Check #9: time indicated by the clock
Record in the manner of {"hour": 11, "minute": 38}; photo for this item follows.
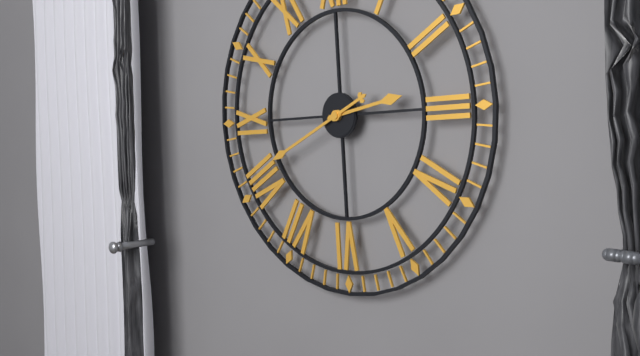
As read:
{"hour": 2, "minute": 41}
